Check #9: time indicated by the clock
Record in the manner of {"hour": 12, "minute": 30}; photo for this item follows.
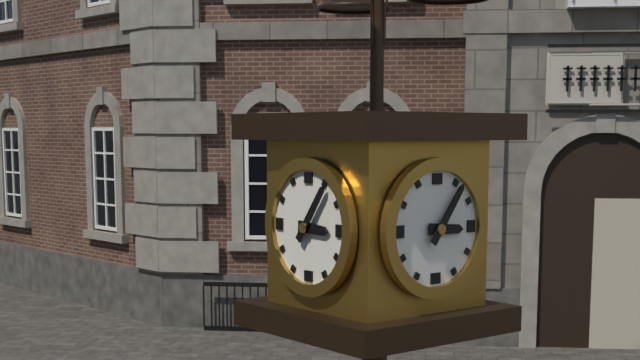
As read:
{"hour": 3, "minute": 6}
